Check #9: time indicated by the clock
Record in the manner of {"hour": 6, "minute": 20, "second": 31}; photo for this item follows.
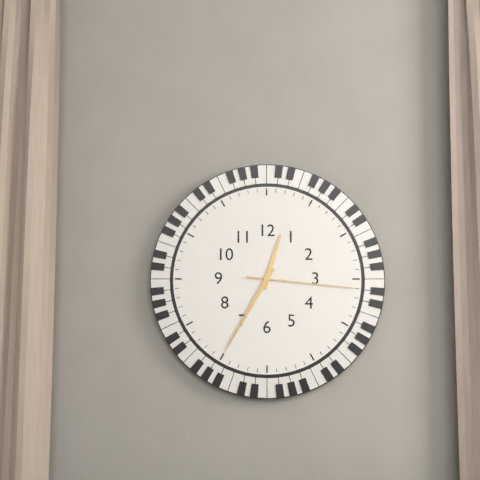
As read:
{"hour": 12, "minute": 35, "second": 16}
